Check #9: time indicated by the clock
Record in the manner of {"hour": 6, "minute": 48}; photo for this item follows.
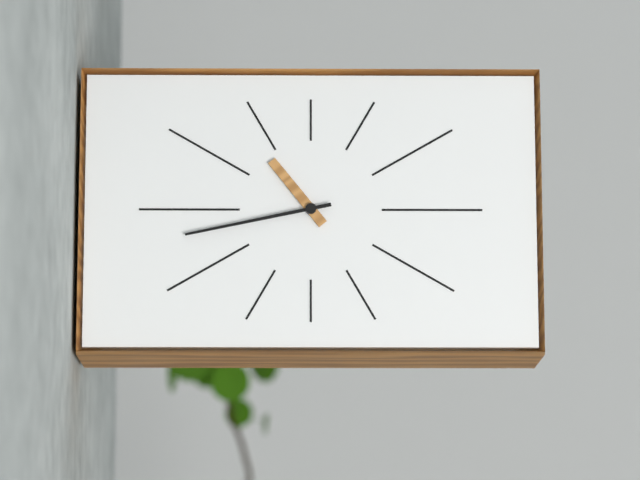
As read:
{"hour": 10, "minute": 43}
